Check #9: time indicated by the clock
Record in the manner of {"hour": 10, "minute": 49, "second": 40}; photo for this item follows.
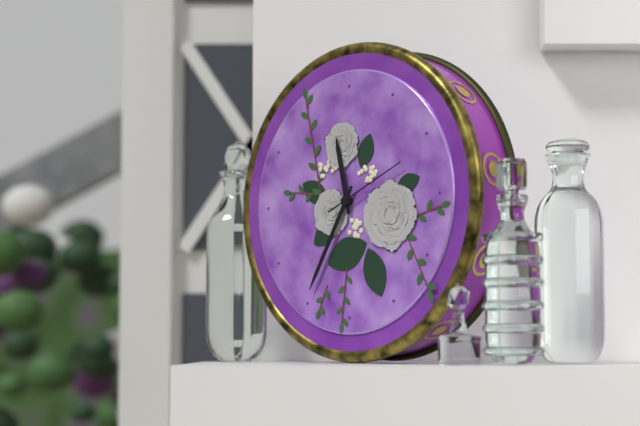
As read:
{"hour": 11, "minute": 35, "second": 11}
